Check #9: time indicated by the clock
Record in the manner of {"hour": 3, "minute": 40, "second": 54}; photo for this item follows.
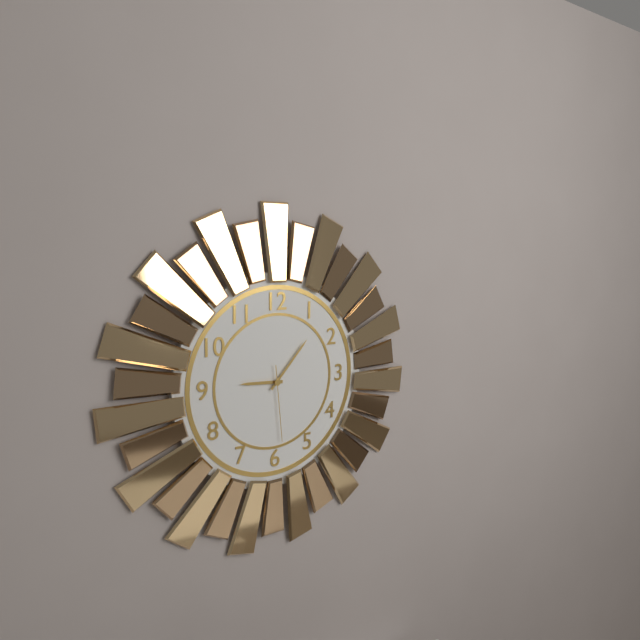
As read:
{"hour": 9, "minute": 7, "second": 29}
